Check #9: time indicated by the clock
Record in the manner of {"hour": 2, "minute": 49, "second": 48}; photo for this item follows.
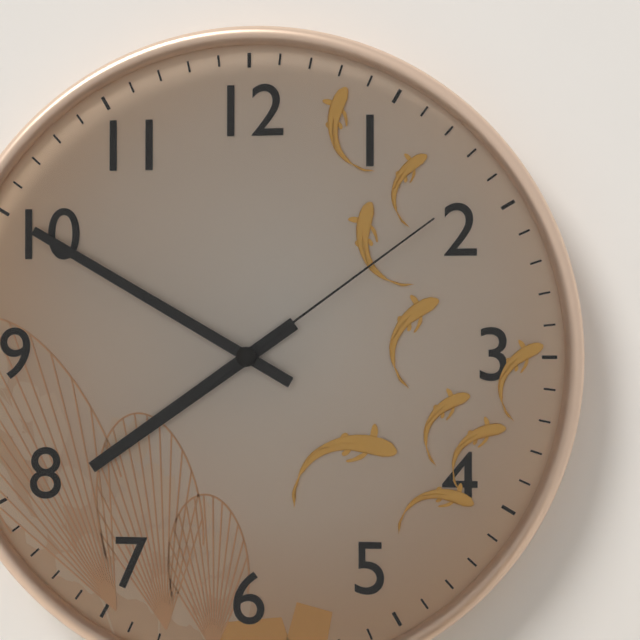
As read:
{"hour": 7, "minute": 50, "second": 9}
